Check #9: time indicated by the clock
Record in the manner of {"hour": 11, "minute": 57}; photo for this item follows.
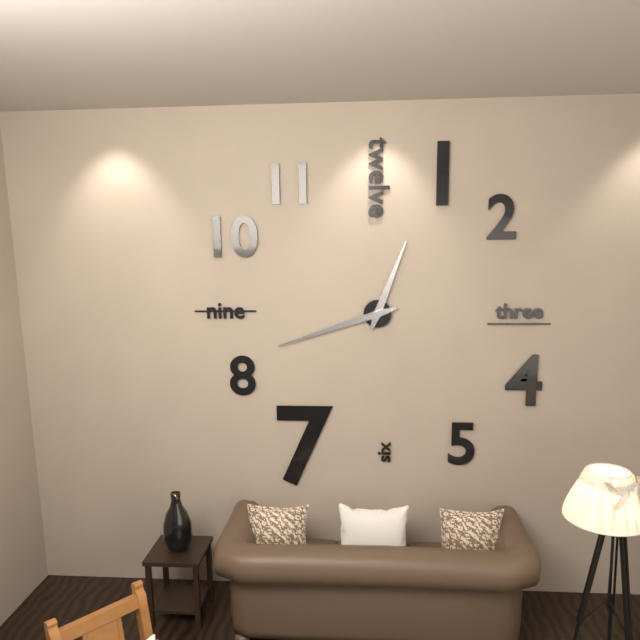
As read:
{"hour": 12, "minute": 42}
